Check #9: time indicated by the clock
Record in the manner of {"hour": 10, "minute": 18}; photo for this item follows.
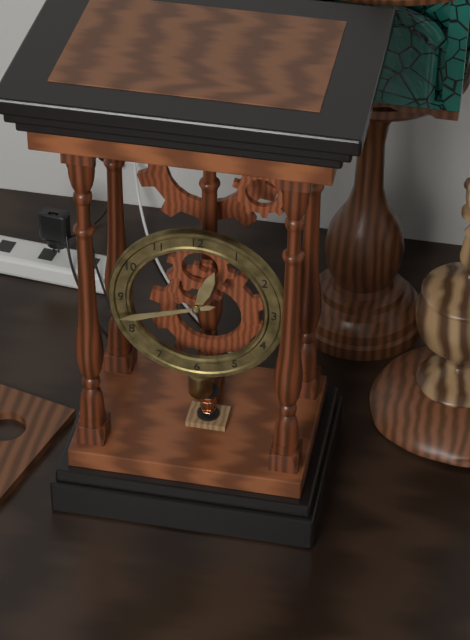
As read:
{"hour": 12, "minute": 42}
